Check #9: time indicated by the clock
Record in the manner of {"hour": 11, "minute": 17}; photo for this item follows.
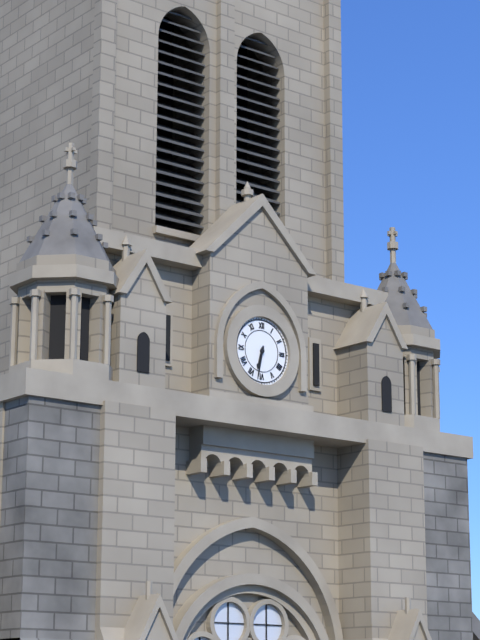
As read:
{"hour": 6, "minute": 32}
